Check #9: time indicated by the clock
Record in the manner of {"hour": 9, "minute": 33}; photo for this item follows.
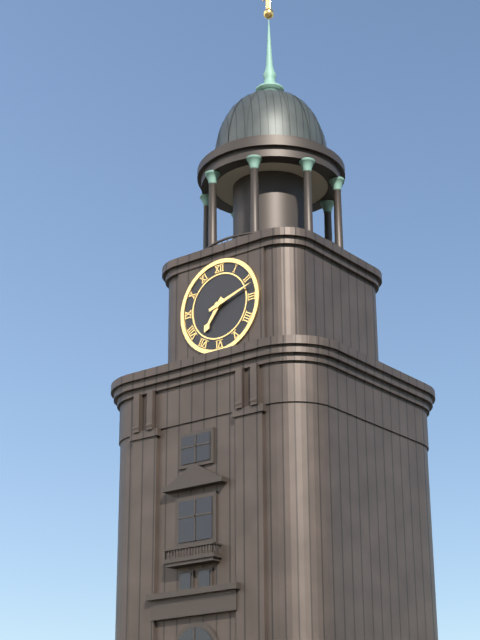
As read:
{"hour": 7, "minute": 12}
